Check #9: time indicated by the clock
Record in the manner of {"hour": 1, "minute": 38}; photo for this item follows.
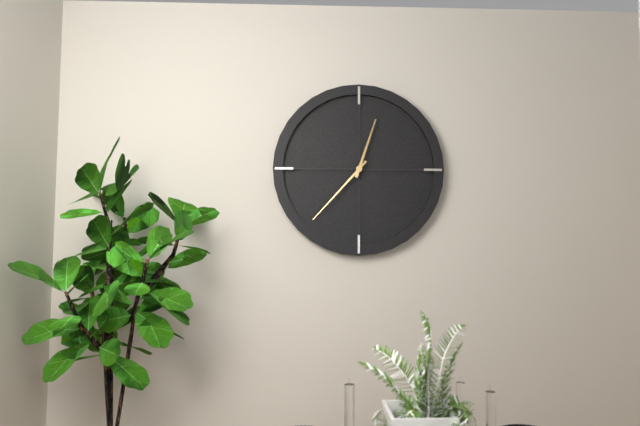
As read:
{"hour": 12, "minute": 37}
